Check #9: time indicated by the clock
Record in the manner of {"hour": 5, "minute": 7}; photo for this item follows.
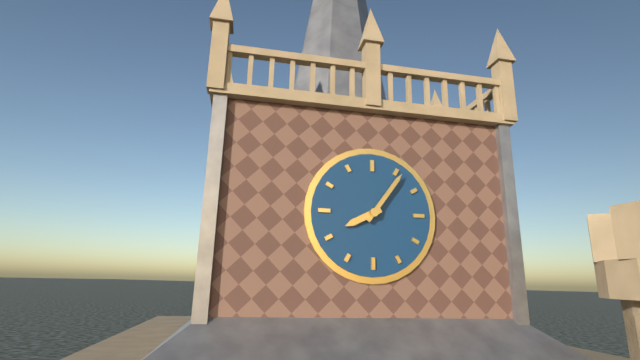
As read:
{"hour": 8, "minute": 6}
